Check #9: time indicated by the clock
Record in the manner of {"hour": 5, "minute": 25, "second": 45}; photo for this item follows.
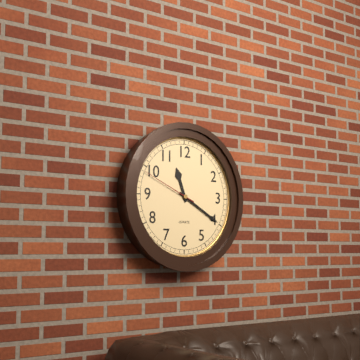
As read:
{"hour": 11, "minute": 20, "second": 49}
